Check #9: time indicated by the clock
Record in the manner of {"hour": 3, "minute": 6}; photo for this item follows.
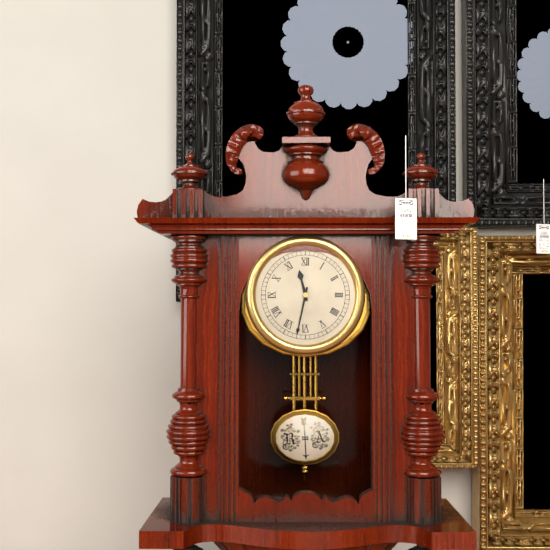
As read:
{"hour": 11, "minute": 32}
